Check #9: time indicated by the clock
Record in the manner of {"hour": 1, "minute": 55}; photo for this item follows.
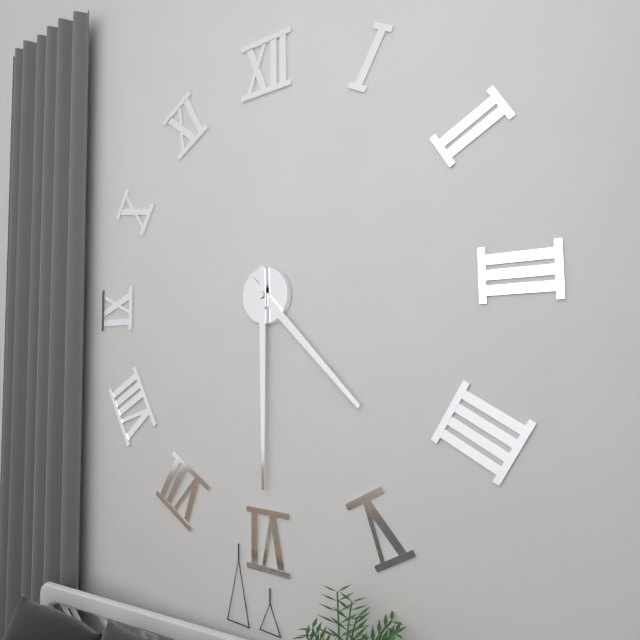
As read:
{"hour": 4, "minute": 30}
